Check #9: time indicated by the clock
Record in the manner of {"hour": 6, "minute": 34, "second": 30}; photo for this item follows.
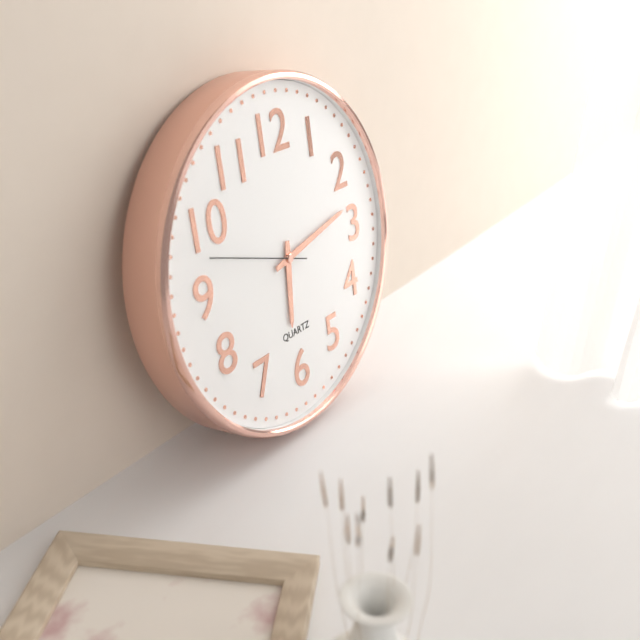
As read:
{"hour": 6, "minute": 13, "second": 48}
